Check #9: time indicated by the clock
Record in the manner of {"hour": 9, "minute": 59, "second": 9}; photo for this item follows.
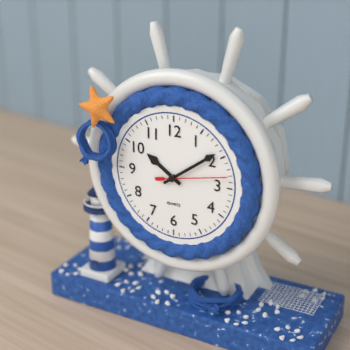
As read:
{"hour": 10, "minute": 9, "second": 13}
